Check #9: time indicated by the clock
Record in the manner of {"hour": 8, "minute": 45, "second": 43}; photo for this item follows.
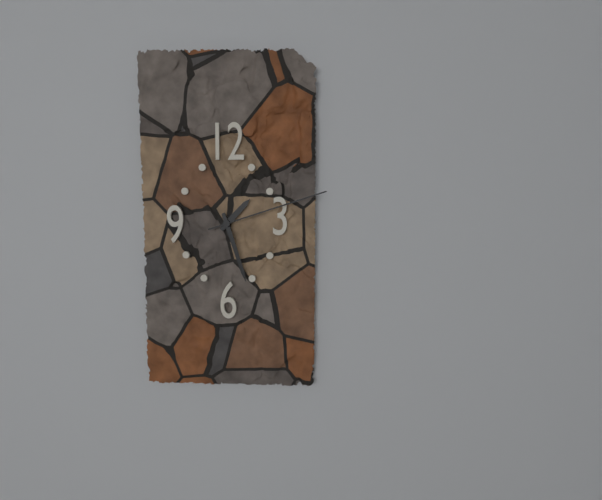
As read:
{"hour": 1, "minute": 27, "second": 12}
